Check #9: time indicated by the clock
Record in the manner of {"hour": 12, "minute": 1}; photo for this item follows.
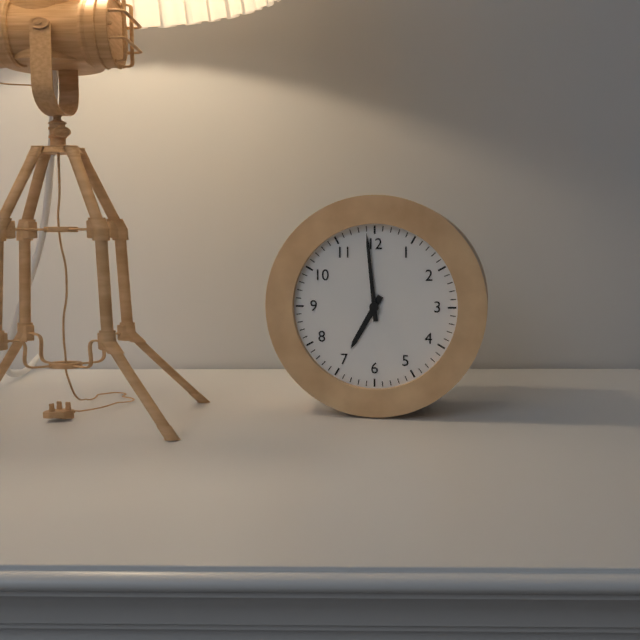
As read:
{"hour": 6, "minute": 59}
